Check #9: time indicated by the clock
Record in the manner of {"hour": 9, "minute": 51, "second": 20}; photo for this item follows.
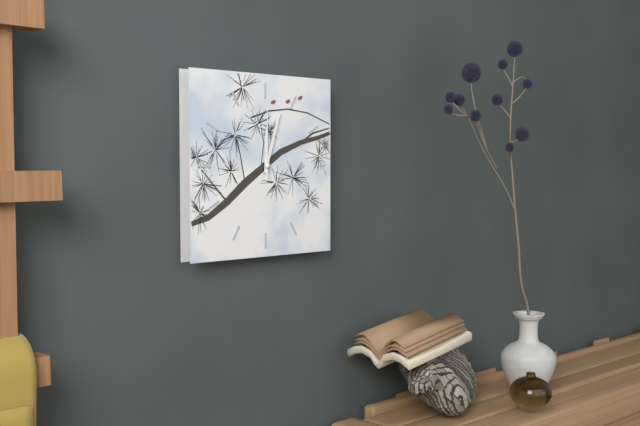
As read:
{"hour": 12, "minute": 3, "second": 0}
